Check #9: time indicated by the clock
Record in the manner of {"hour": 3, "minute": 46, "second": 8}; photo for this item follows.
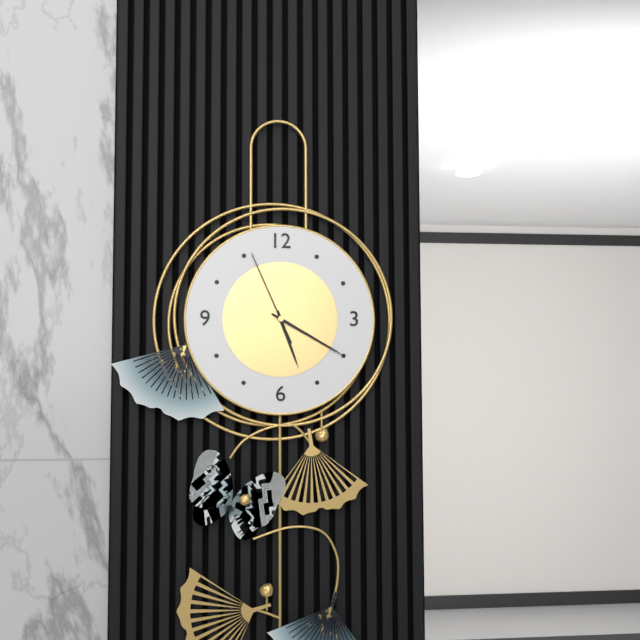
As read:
{"hour": 5, "minute": 20, "second": 56}
